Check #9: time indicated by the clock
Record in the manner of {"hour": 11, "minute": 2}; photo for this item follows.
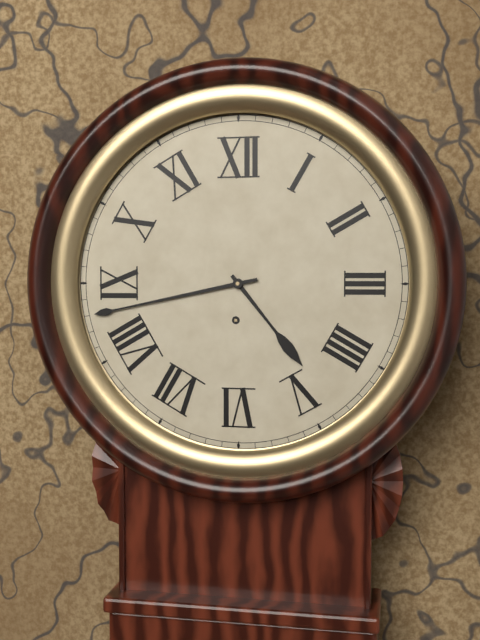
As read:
{"hour": 4, "minute": 43}
